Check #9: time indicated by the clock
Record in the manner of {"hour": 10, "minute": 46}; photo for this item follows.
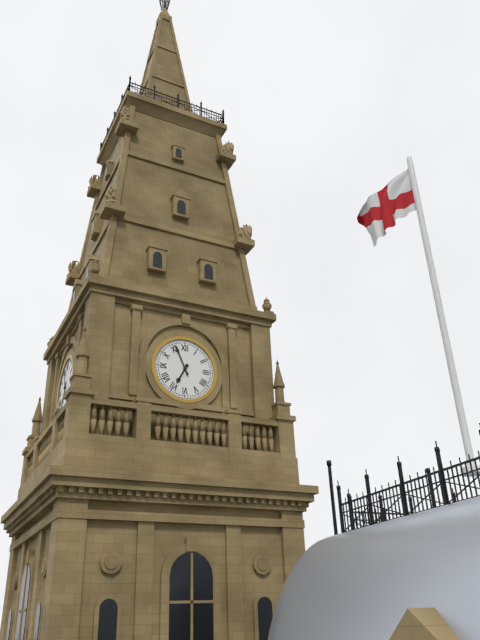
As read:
{"hour": 6, "minute": 56}
